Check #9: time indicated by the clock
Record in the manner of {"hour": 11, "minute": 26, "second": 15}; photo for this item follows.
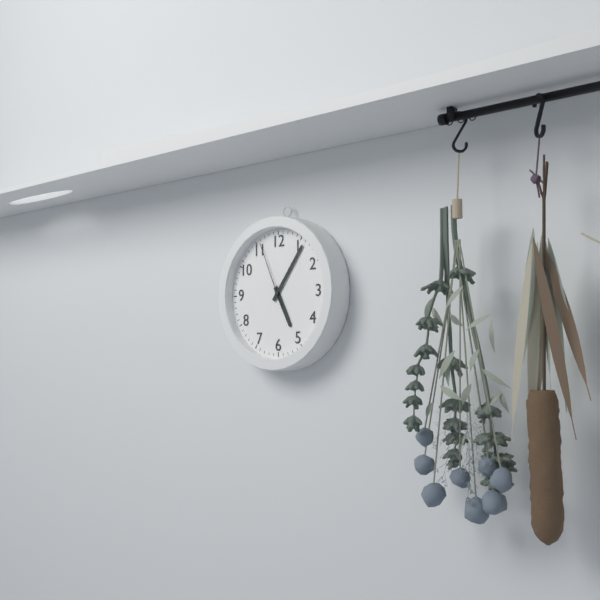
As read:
{"hour": 5, "minute": 6, "second": 56}
